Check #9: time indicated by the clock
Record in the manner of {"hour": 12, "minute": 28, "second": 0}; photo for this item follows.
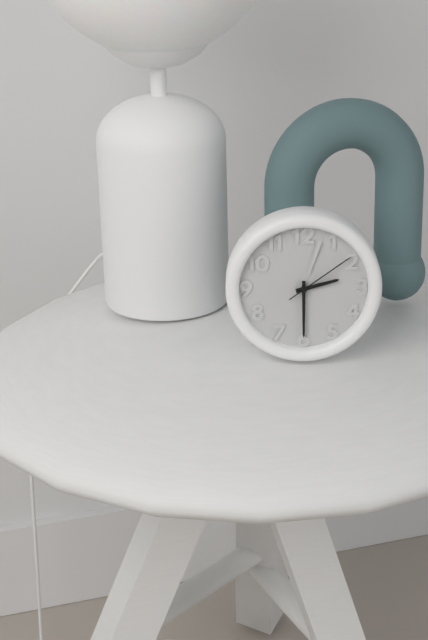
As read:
{"hour": 2, "minute": 30, "second": 9}
